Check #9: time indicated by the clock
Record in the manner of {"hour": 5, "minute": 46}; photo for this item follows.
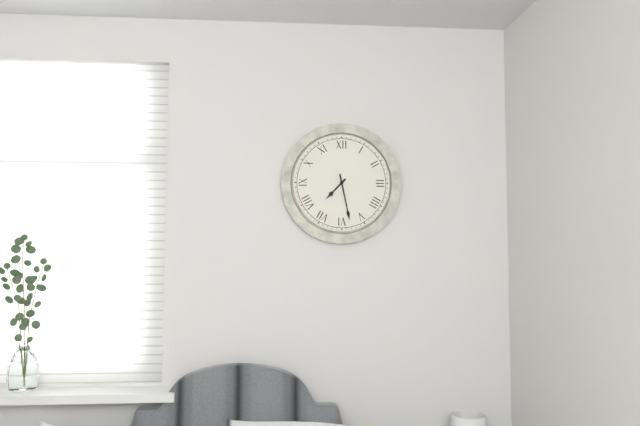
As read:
{"hour": 7, "minute": 28}
